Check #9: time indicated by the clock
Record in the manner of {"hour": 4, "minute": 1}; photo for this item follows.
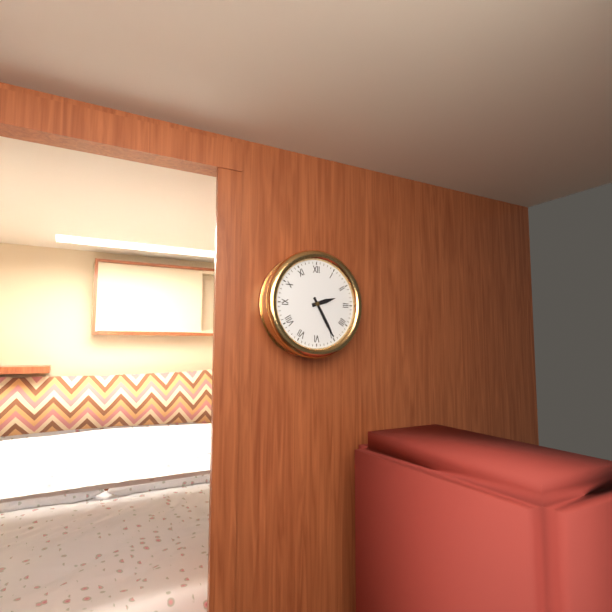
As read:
{"hour": 2, "minute": 25}
